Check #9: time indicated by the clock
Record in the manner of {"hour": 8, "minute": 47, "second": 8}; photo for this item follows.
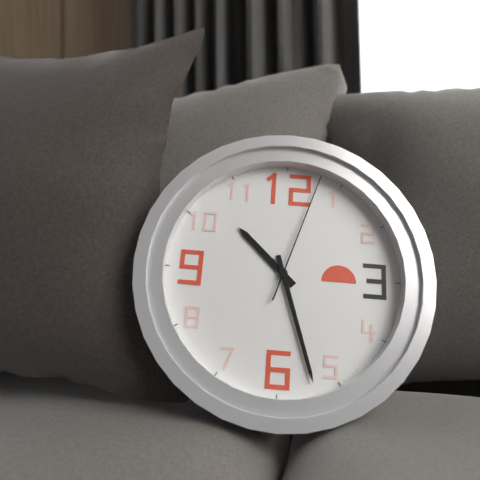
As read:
{"hour": 10, "minute": 27, "second": 3}
